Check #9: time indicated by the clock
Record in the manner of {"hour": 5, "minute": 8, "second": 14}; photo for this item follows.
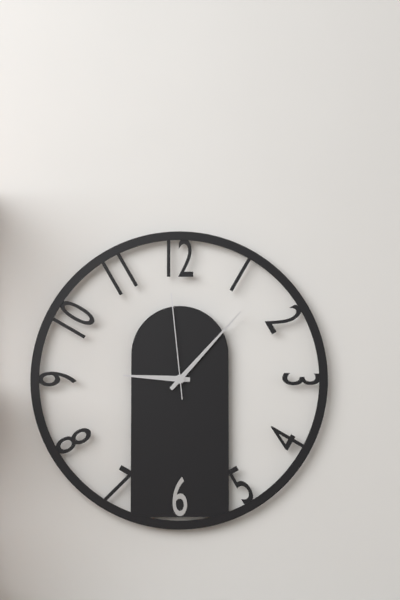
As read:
{"hour": 9, "minute": 7, "second": 59}
